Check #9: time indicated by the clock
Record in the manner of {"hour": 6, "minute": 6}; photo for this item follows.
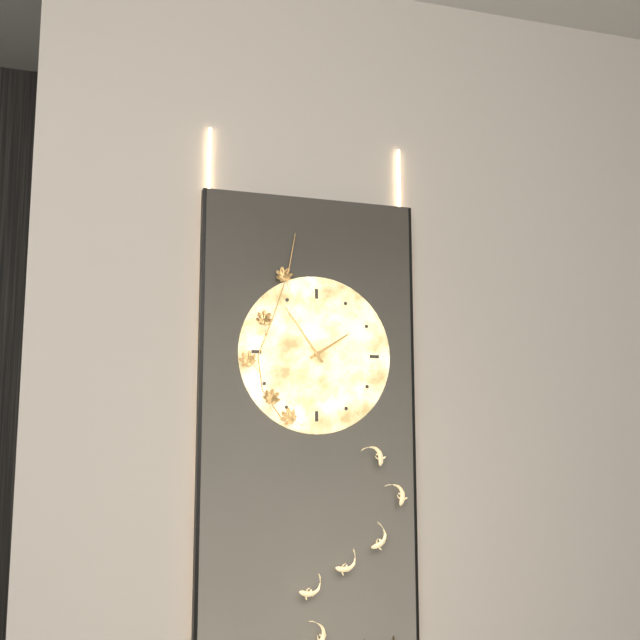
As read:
{"hour": 1, "minute": 54}
